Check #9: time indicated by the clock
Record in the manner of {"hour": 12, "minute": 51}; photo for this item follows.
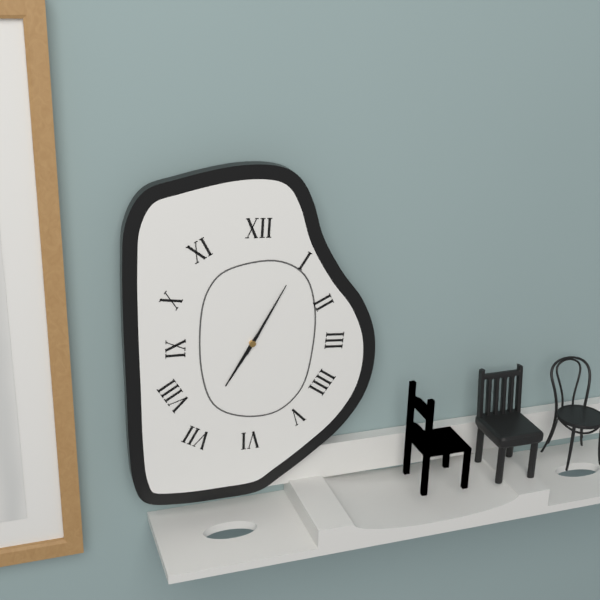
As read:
{"hour": 7, "minute": 5}
